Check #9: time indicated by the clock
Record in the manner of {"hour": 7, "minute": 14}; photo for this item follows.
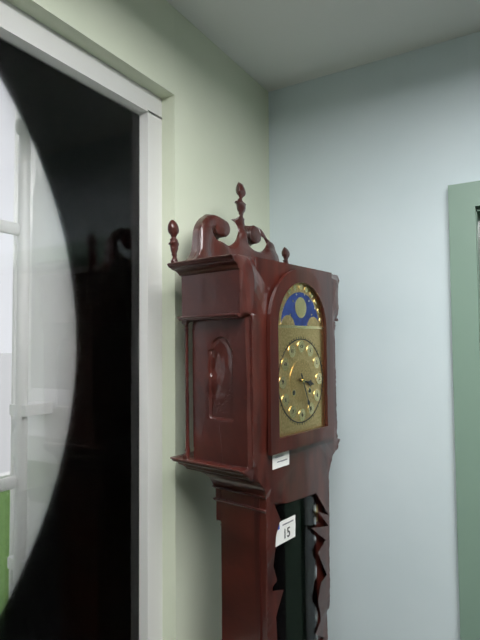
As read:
{"hour": 3, "minute": 26}
